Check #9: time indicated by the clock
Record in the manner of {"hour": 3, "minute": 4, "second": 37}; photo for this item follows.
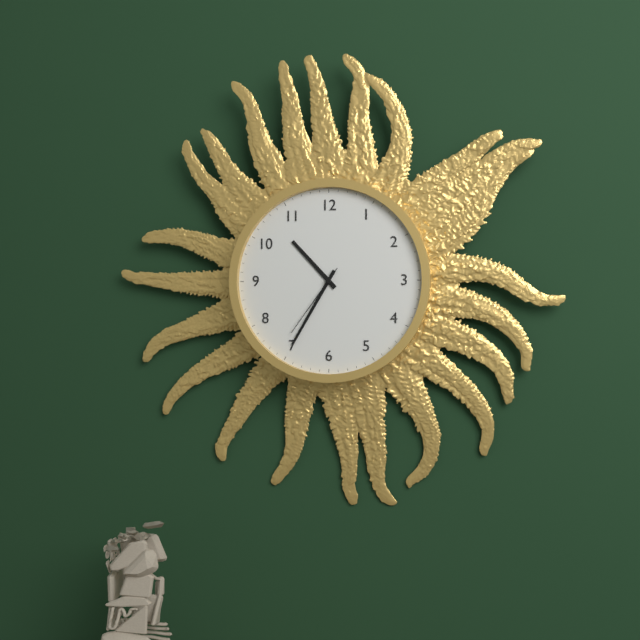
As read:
{"hour": 10, "minute": 35, "second": 36}
